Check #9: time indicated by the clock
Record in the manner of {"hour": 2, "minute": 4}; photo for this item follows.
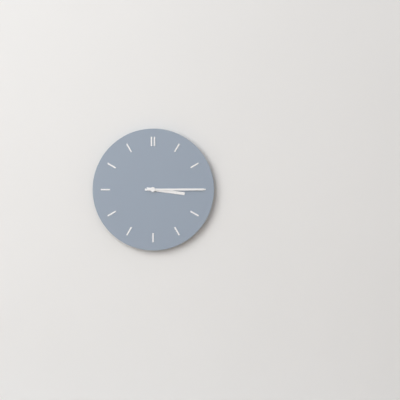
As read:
{"hour": 3, "minute": 15}
